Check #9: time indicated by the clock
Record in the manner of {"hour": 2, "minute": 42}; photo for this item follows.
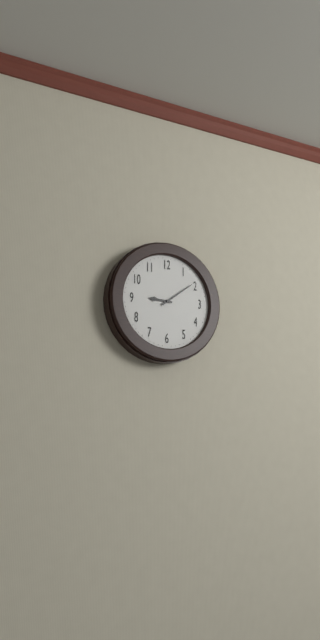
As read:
{"hour": 9, "minute": 9}
